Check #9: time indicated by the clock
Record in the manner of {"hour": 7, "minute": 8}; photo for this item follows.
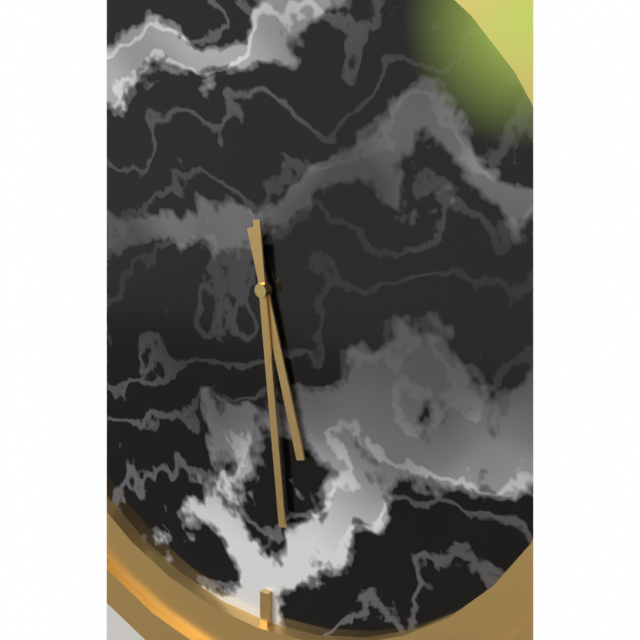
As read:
{"hour": 5, "minute": 29}
